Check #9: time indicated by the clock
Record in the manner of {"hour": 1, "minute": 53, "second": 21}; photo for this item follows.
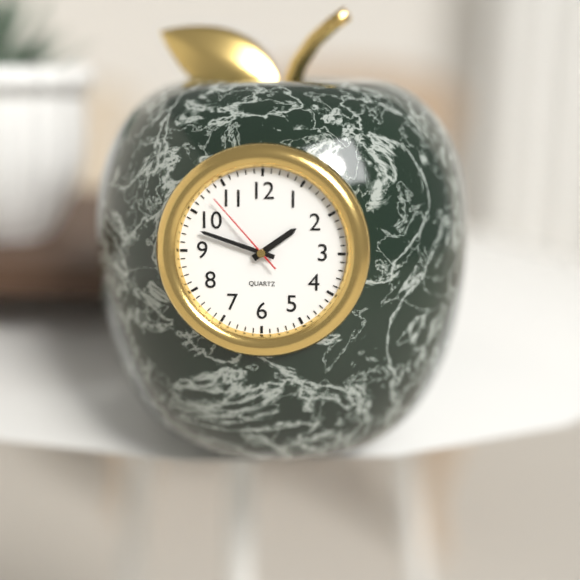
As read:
{"hour": 1, "minute": 48, "second": 53}
